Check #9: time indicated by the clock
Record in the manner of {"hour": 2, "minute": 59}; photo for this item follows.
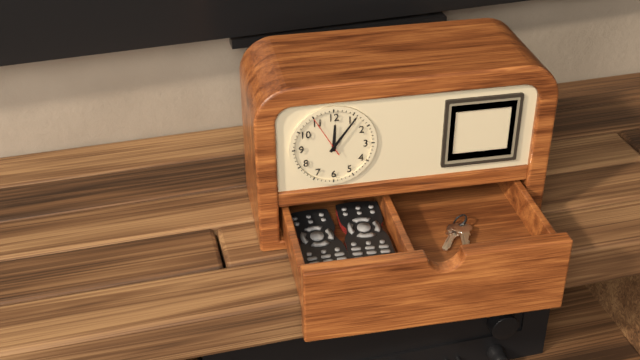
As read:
{"hour": 12, "minute": 6}
